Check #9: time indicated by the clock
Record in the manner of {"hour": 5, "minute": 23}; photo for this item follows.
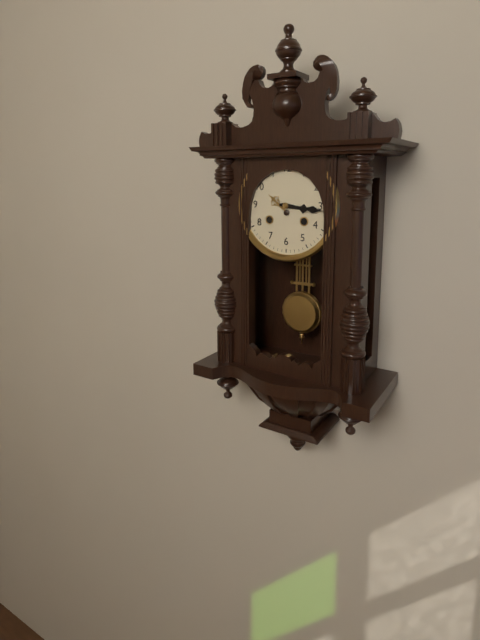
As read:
{"hour": 3, "minute": 16}
